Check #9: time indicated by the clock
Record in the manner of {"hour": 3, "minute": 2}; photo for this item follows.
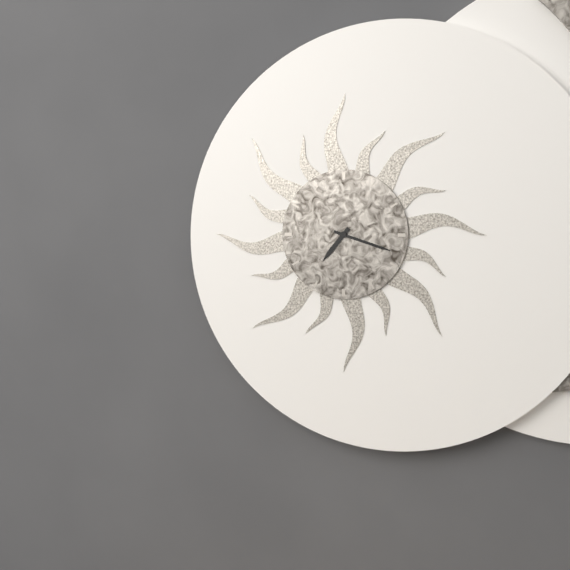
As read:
{"hour": 7, "minute": 18}
